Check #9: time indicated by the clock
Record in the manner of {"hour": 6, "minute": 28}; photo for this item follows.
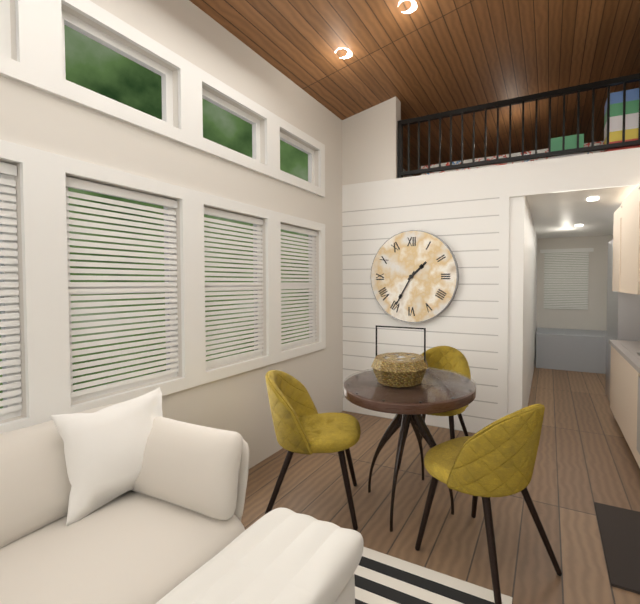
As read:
{"hour": 1, "minute": 35}
